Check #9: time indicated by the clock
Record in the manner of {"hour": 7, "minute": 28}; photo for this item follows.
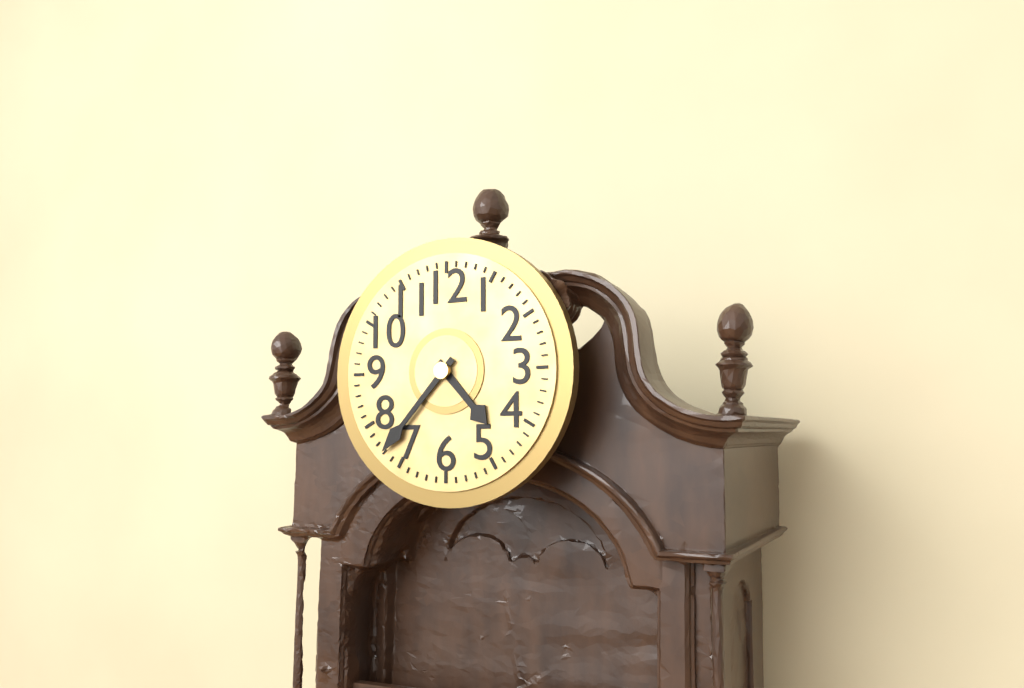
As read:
{"hour": 4, "minute": 37}
